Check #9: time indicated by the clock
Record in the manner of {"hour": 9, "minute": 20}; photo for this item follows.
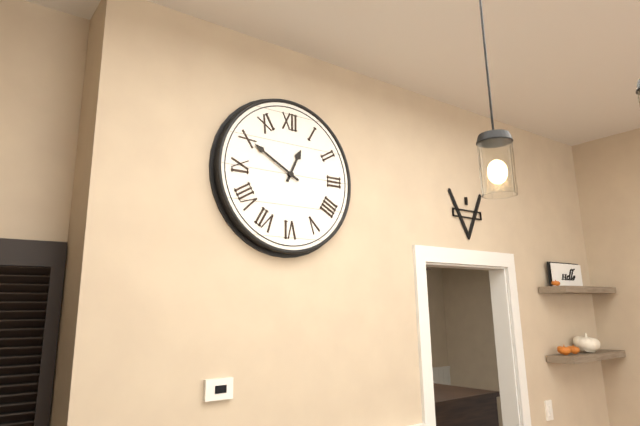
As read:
{"hour": 12, "minute": 50}
